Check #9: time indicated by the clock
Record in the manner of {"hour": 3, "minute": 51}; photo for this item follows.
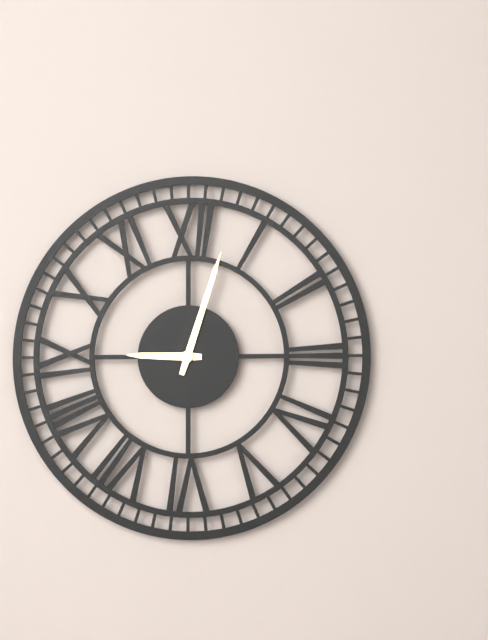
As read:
{"hour": 9, "minute": 3}
